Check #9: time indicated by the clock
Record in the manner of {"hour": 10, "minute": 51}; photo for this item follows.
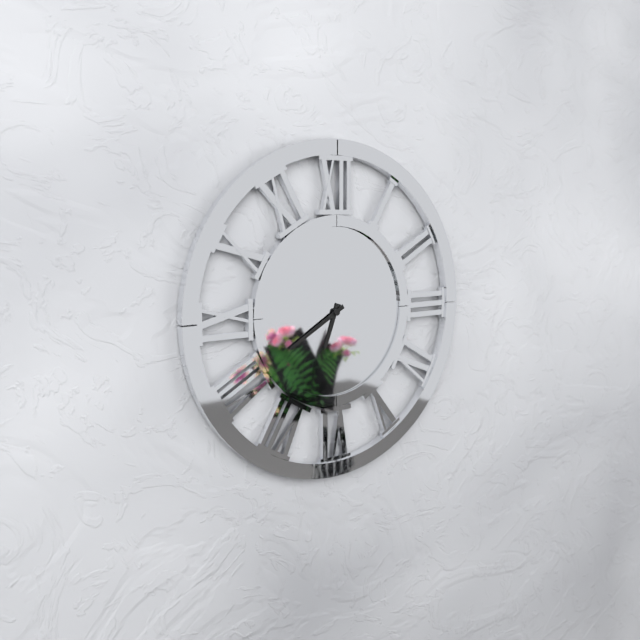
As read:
{"hour": 6, "minute": 40}
